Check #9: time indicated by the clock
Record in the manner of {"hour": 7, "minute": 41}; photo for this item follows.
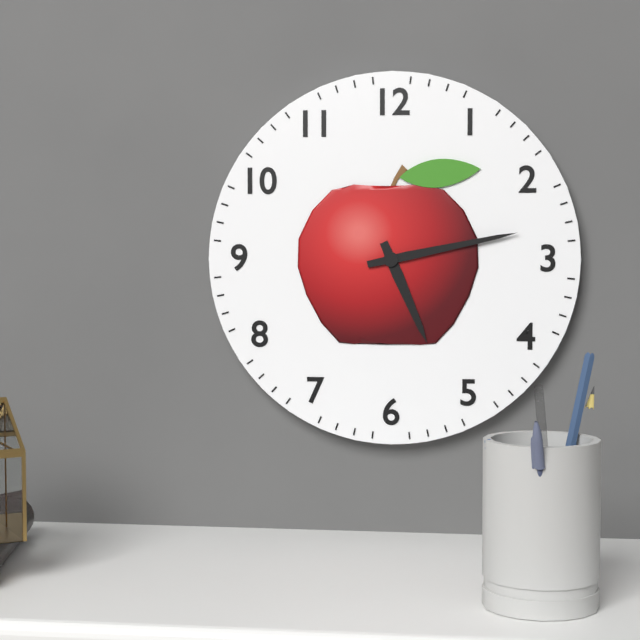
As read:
{"hour": 5, "minute": 13}
